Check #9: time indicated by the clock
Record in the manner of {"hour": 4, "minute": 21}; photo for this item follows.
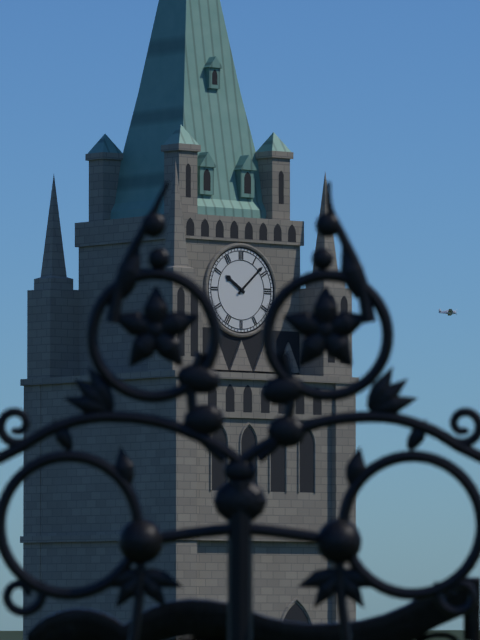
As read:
{"hour": 10, "minute": 8}
